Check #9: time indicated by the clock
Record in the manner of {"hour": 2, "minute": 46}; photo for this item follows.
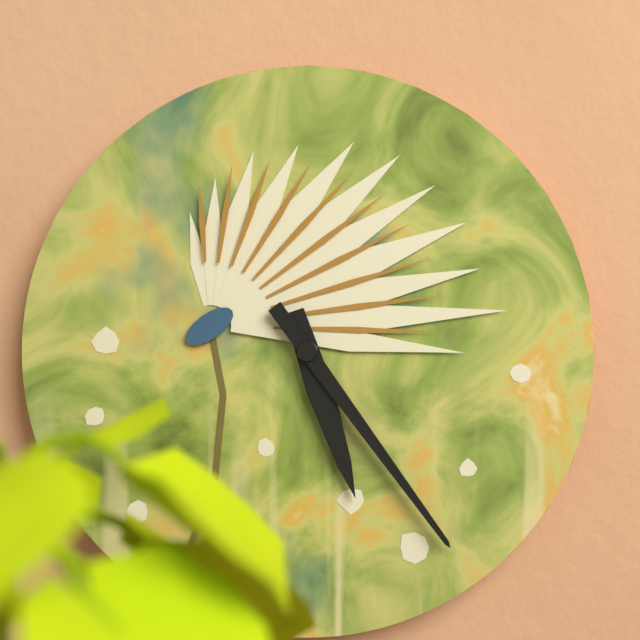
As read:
{"hour": 5, "minute": 24}
